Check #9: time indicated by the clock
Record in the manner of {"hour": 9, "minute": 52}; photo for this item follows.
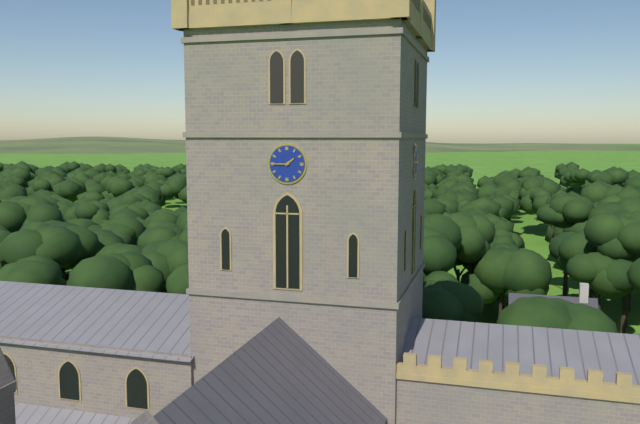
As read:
{"hour": 1, "minute": 45}
